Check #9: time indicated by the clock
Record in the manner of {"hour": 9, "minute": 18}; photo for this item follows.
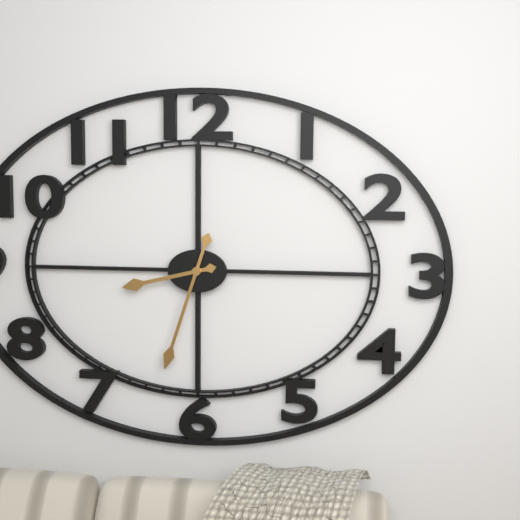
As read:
{"hour": 8, "minute": 33}
